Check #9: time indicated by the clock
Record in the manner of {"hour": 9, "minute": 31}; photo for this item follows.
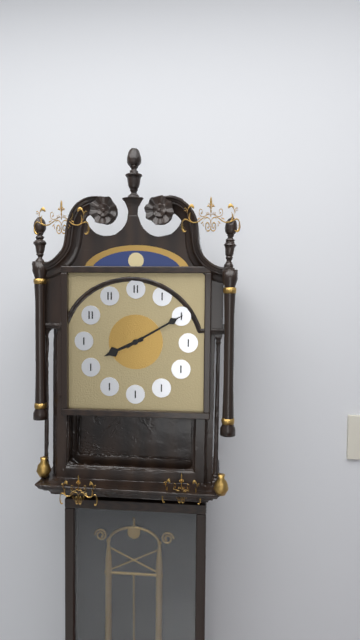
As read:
{"hour": 8, "minute": 10}
